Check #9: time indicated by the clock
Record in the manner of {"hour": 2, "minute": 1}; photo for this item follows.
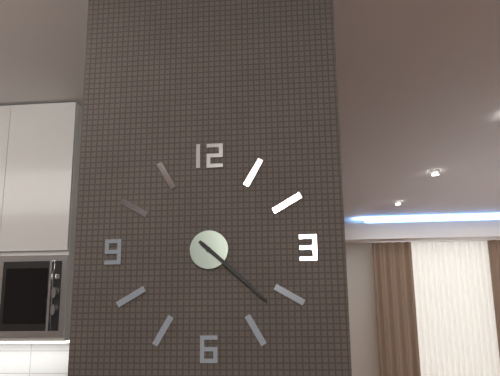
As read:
{"hour": 4, "minute": 22}
